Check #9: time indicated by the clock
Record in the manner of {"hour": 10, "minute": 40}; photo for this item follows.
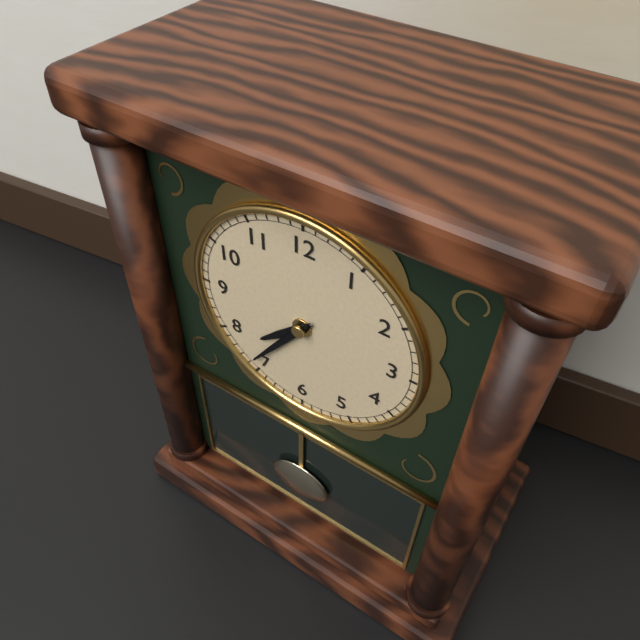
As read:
{"hour": 7, "minute": 36}
